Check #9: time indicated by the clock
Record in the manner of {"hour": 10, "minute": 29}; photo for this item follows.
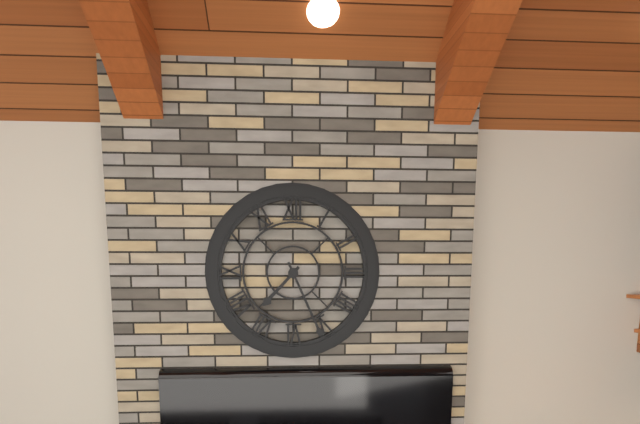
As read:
{"hour": 7, "minute": 26}
